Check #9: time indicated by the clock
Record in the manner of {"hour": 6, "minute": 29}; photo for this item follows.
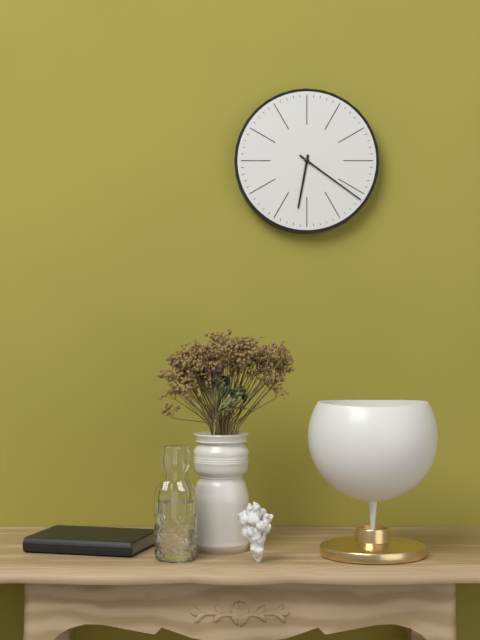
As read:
{"hour": 6, "minute": 21}
